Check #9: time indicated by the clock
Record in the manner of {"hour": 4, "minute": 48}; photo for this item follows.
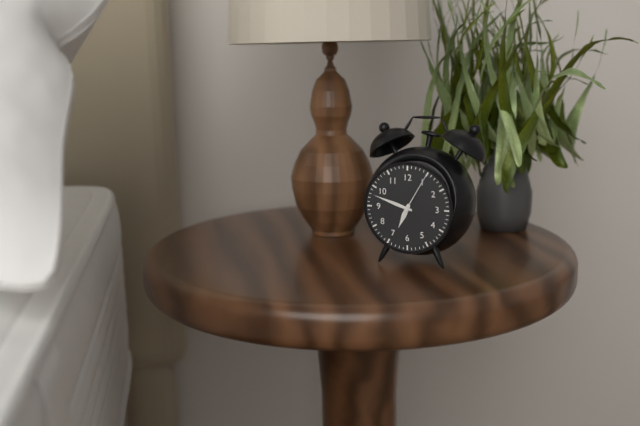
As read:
{"hour": 6, "minute": 48}
